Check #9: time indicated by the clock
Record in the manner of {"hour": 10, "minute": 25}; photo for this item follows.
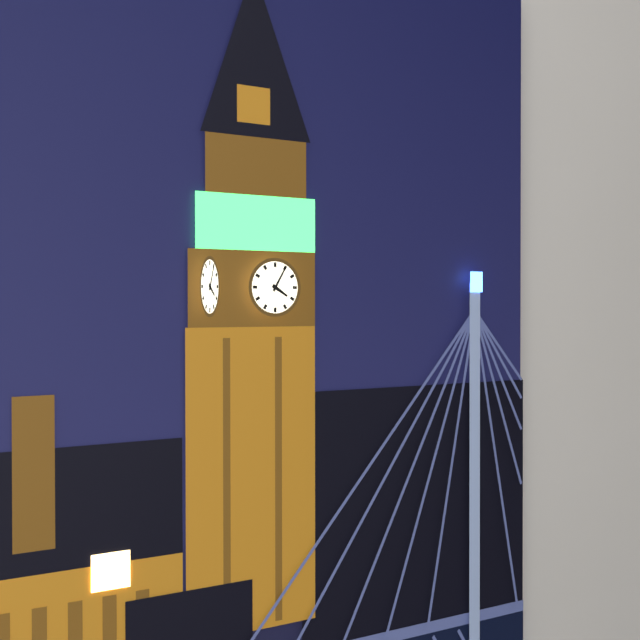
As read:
{"hour": 4, "minute": 5}
